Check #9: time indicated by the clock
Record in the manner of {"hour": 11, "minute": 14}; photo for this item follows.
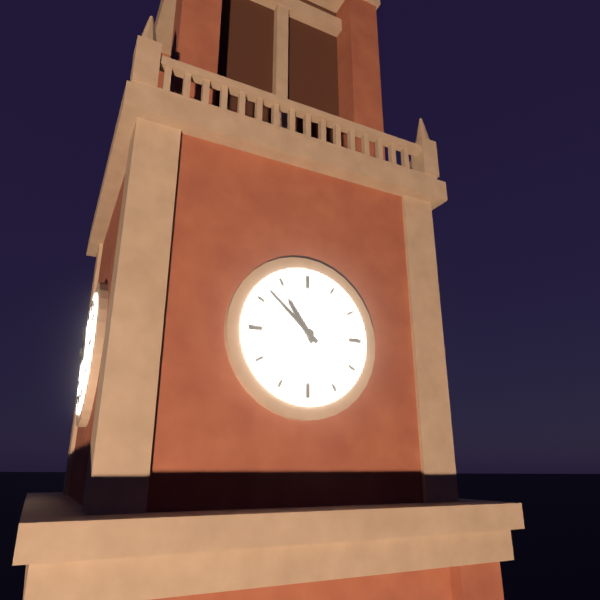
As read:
{"hour": 10, "minute": 52}
